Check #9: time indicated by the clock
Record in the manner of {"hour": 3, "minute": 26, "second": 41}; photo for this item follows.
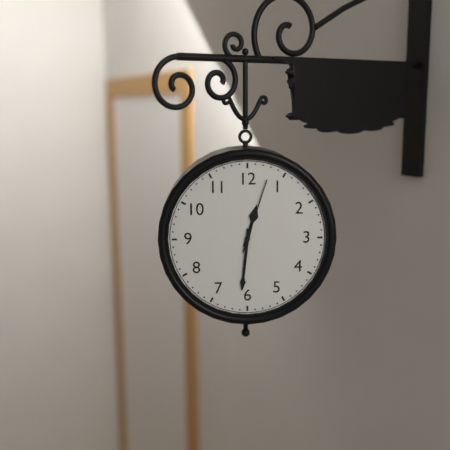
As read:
{"hour": 12, "minute": 31, "second": 3}
